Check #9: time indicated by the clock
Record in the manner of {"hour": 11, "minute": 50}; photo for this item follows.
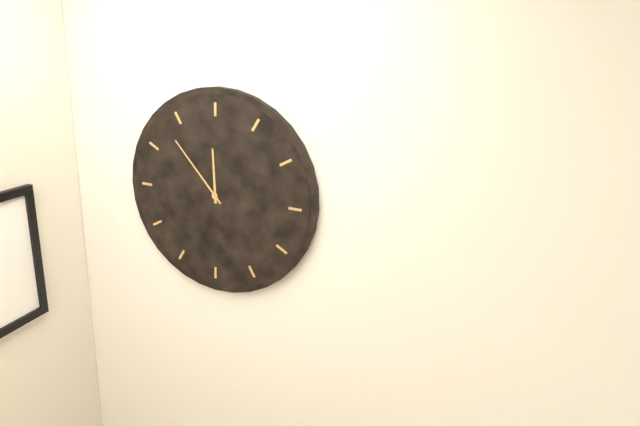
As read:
{"hour": 11, "minute": 53}
